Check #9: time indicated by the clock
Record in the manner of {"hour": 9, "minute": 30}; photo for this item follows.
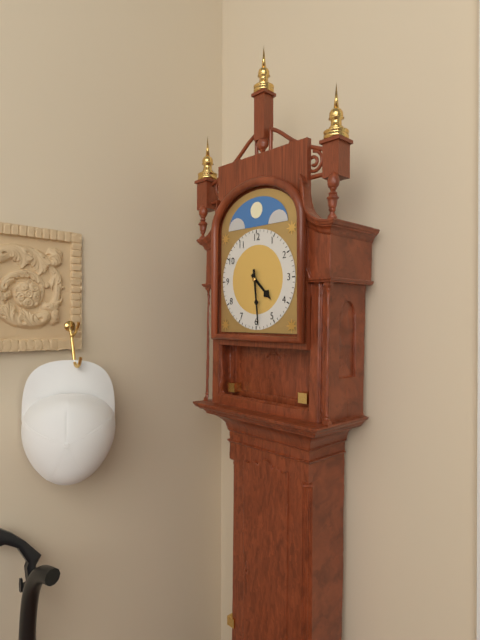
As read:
{"hour": 4, "minute": 29}
